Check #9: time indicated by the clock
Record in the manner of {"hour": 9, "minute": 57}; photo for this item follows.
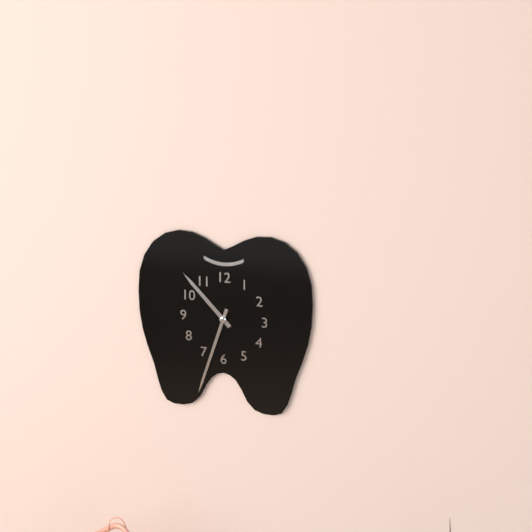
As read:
{"hour": 10, "minute": 33}
